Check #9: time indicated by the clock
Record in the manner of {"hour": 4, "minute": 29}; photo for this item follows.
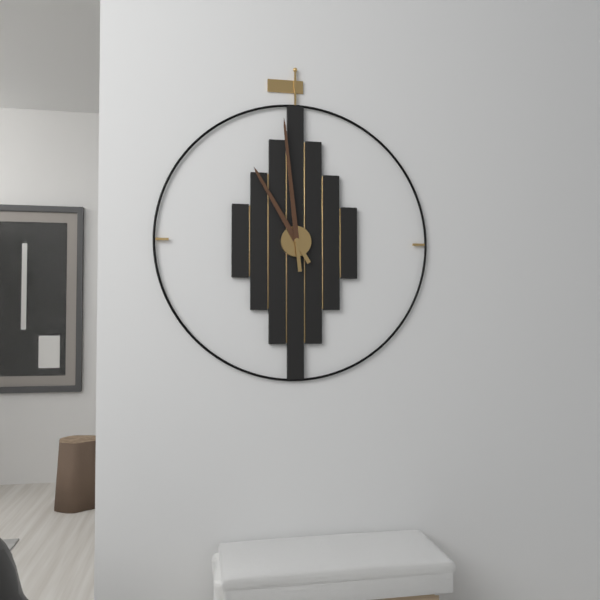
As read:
{"hour": 10, "minute": 59}
